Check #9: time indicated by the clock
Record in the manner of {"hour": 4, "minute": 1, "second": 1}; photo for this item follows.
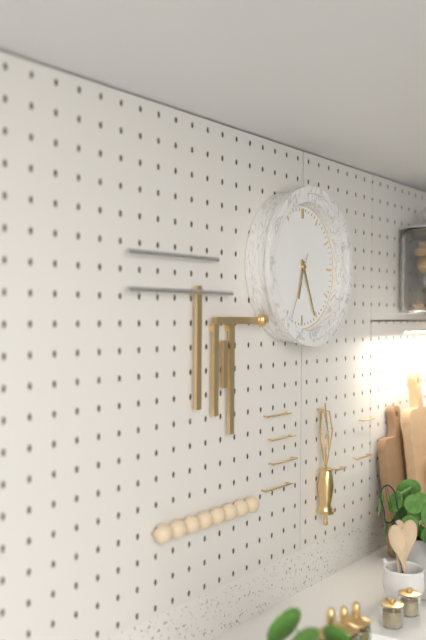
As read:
{"hour": 6, "minute": 26, "second": 34}
